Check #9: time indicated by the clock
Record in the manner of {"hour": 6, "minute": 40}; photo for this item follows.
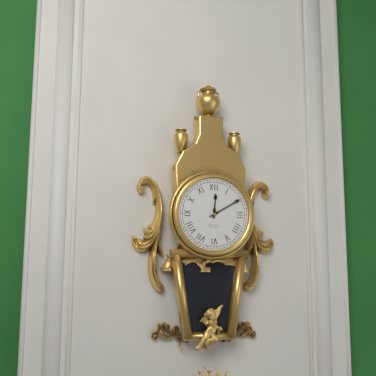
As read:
{"hour": 12, "minute": 10}
